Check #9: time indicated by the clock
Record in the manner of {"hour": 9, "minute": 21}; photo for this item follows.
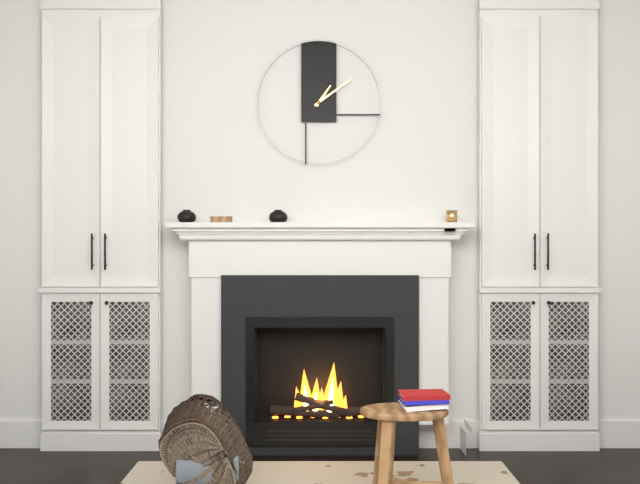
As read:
{"hour": 1, "minute": 9}
